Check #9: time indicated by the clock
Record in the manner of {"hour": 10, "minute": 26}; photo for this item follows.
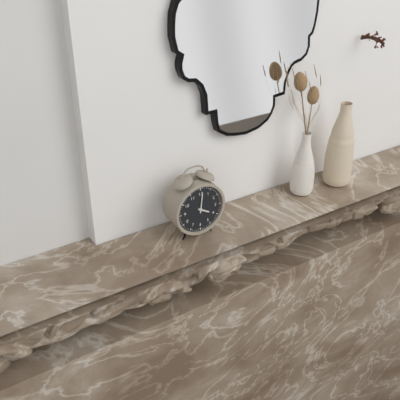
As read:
{"hour": 4, "minute": 1}
